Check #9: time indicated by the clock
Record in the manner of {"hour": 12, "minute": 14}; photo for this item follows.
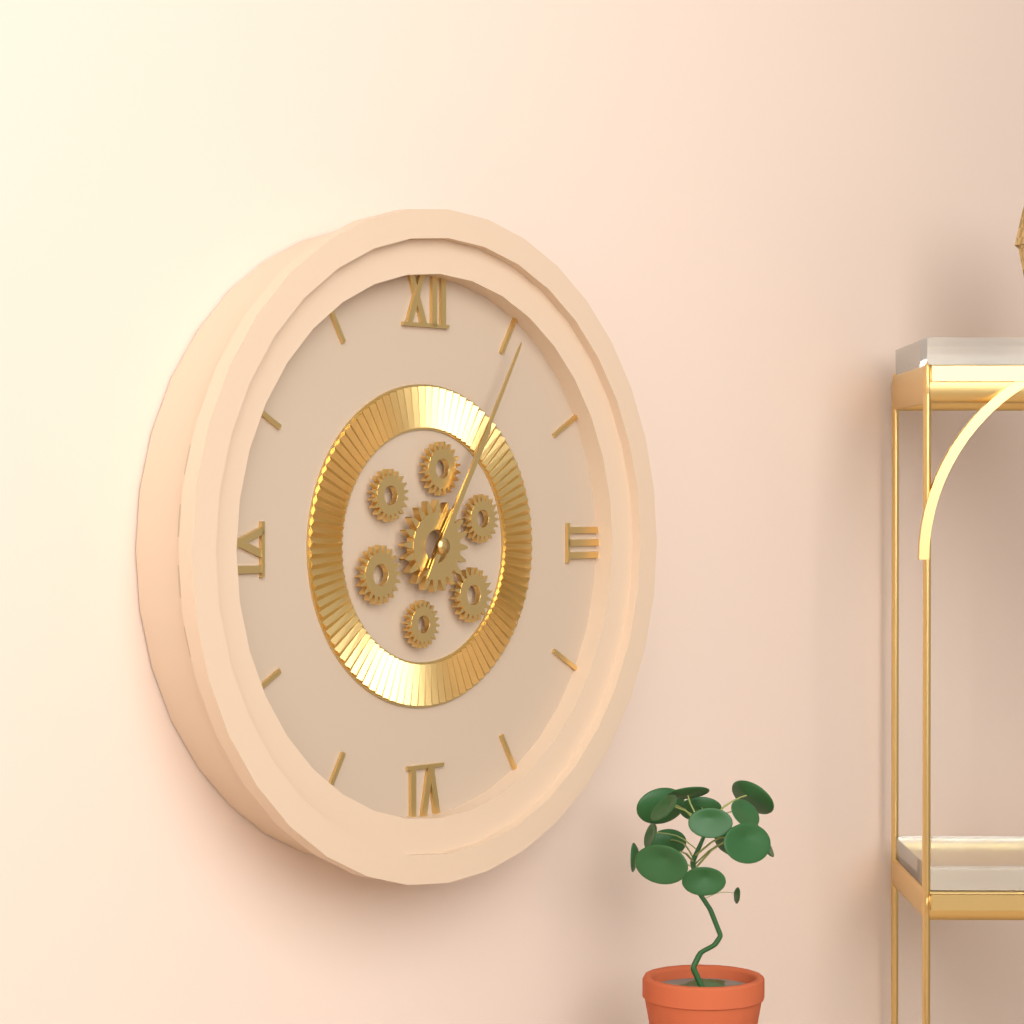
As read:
{"hour": 1, "minute": 5}
